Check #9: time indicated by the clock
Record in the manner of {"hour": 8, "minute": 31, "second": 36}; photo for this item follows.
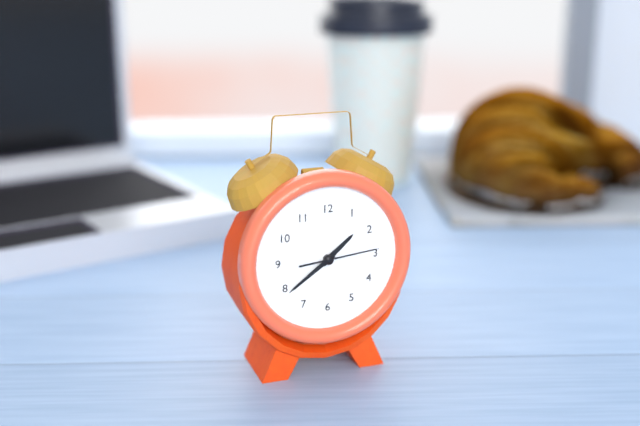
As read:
{"hour": 1, "minute": 39, "second": 14}
